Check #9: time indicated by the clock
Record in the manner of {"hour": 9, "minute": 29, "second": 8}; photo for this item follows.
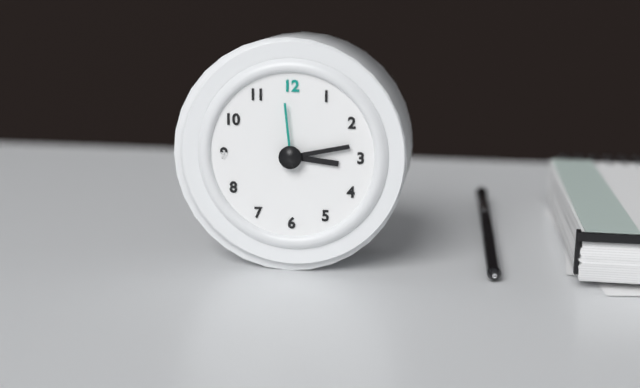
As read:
{"hour": 3, "minute": 13, "second": 59}
